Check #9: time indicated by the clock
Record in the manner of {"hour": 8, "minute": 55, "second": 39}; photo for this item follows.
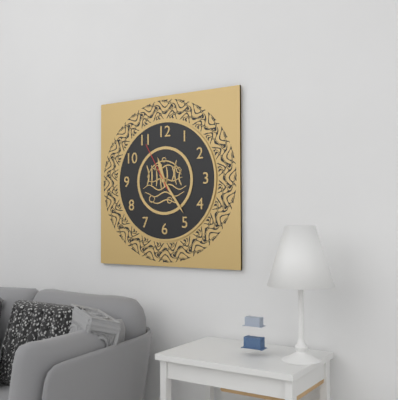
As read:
{"hour": 11, "minute": 24, "second": 55}
